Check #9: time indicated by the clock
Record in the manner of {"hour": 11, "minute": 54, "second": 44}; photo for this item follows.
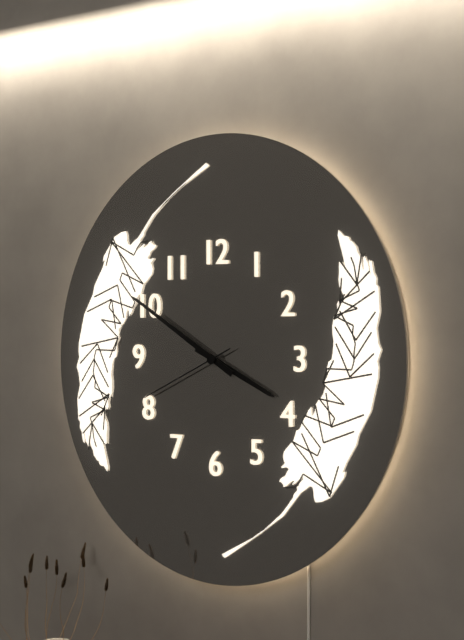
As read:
{"hour": 3, "minute": 50, "second": 41}
